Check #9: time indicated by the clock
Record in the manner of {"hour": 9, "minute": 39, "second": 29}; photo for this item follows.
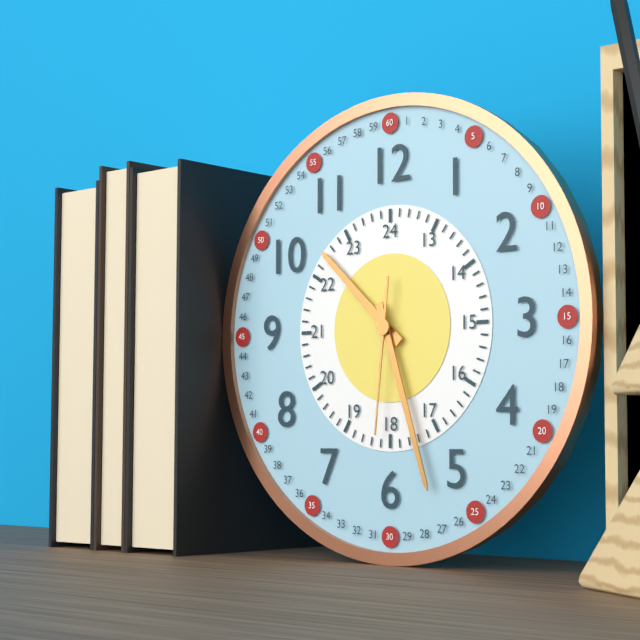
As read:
{"hour": 10, "minute": 27, "second": 31}
